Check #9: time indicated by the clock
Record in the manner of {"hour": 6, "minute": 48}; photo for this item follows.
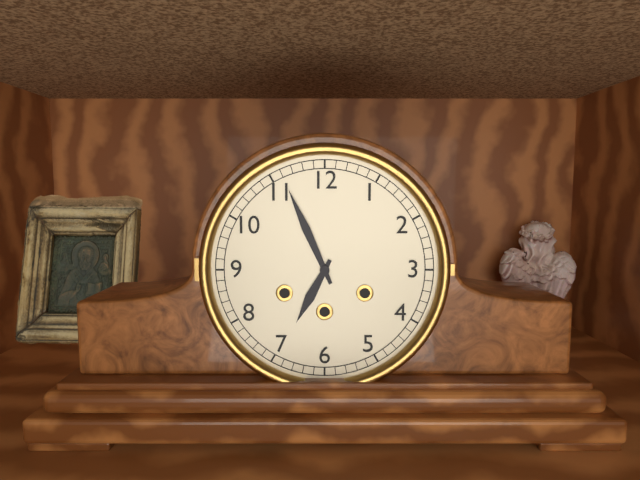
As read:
{"hour": 6, "minute": 56}
